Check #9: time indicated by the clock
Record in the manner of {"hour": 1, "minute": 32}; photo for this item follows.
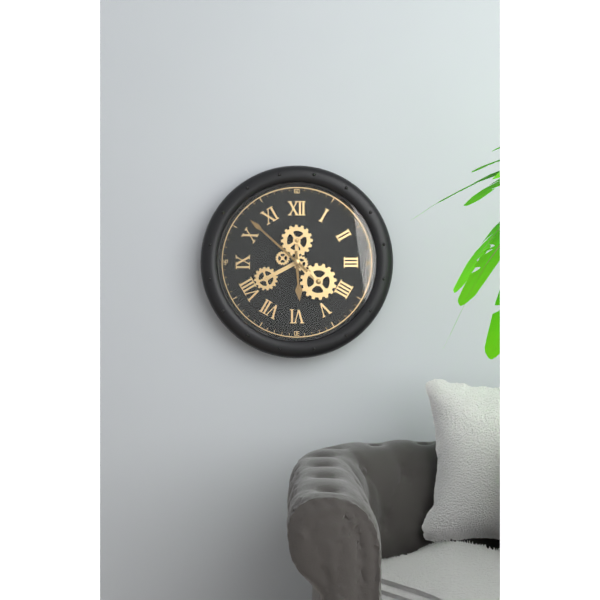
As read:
{"hour": 5, "minute": 52}
